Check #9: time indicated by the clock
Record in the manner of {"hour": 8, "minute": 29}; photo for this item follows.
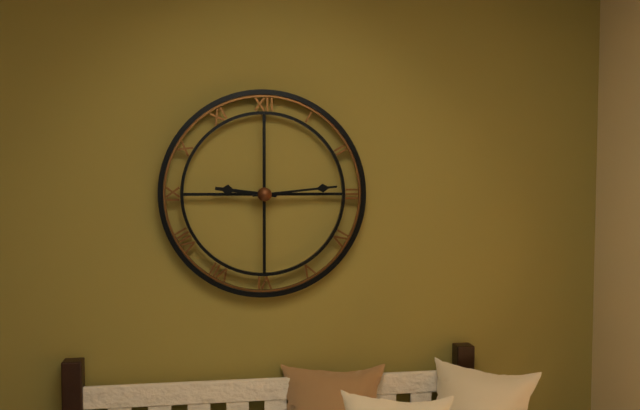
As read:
{"hour": 9, "minute": 14}
